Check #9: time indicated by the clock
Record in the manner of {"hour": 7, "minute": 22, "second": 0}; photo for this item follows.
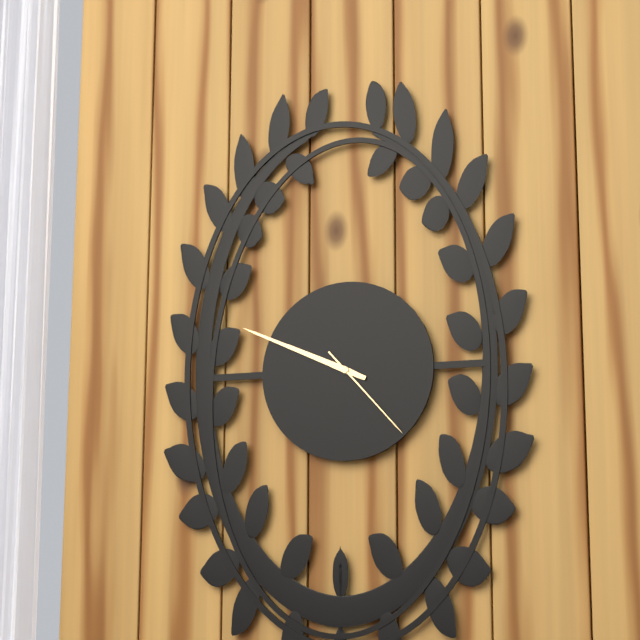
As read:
{"hour": 9, "minute": 49, "second": 23}
